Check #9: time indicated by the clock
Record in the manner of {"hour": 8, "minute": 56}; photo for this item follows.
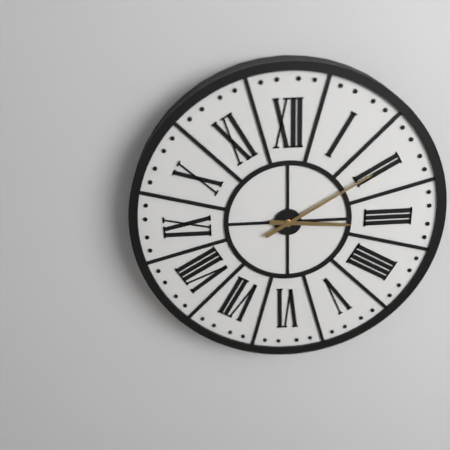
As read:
{"hour": 3, "minute": 10}
